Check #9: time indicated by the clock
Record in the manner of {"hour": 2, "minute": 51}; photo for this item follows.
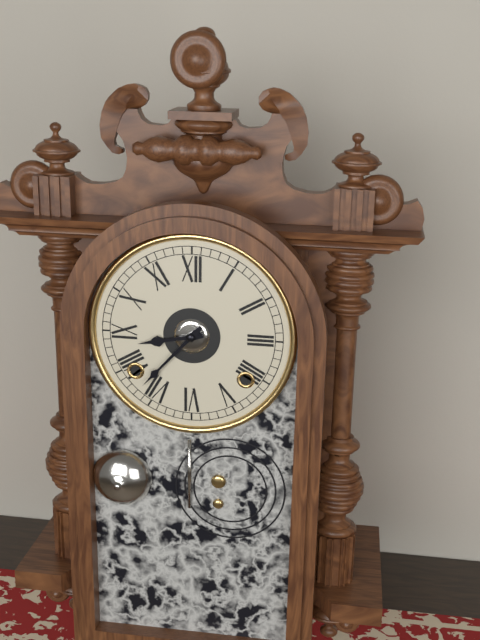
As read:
{"hour": 8, "minute": 37}
